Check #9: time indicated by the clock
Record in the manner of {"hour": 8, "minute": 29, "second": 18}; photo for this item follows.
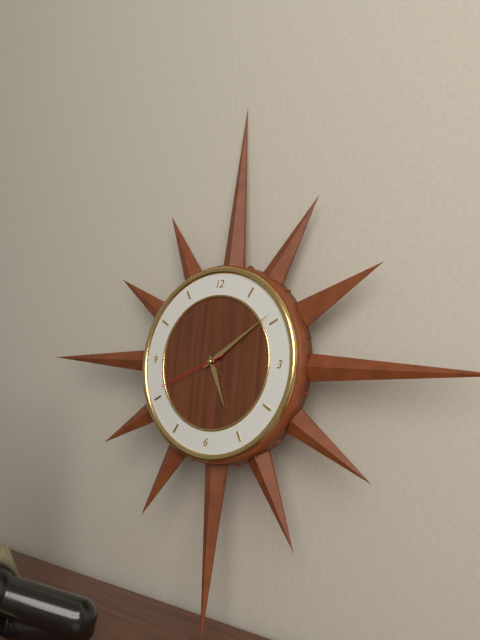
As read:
{"hour": 5, "minute": 9, "second": 41}
